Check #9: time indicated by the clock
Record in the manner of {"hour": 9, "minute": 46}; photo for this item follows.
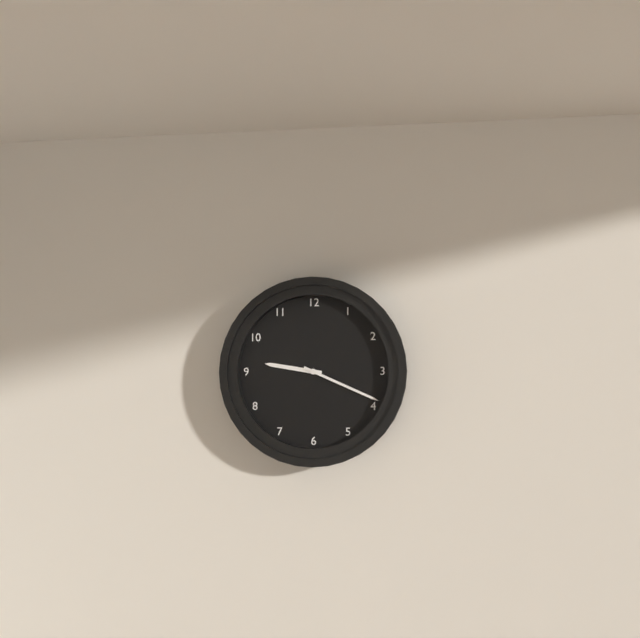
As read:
{"hour": 9, "minute": 19}
